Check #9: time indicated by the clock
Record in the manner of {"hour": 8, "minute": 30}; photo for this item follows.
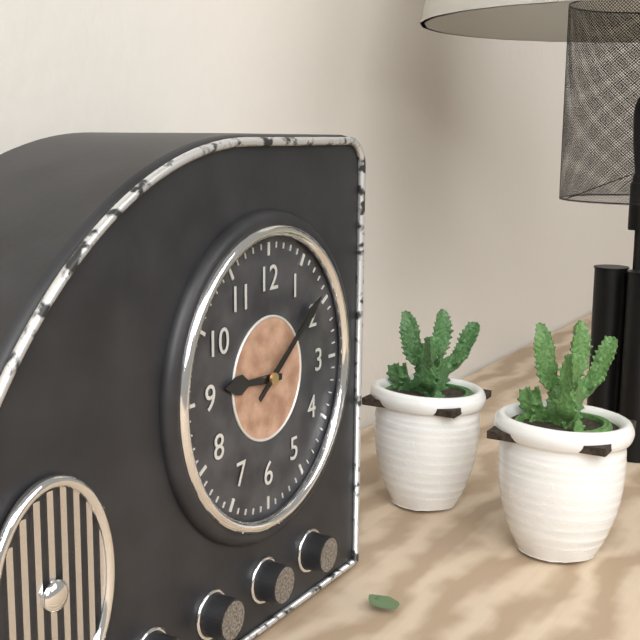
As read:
{"hour": 9, "minute": 9}
